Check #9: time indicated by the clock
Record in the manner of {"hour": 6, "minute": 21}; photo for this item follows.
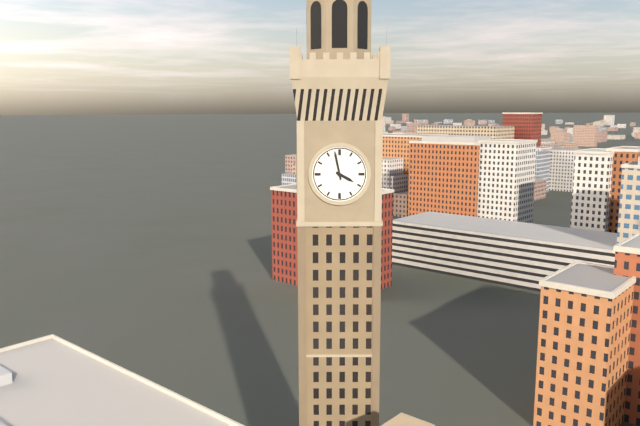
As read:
{"hour": 3, "minute": 58}
